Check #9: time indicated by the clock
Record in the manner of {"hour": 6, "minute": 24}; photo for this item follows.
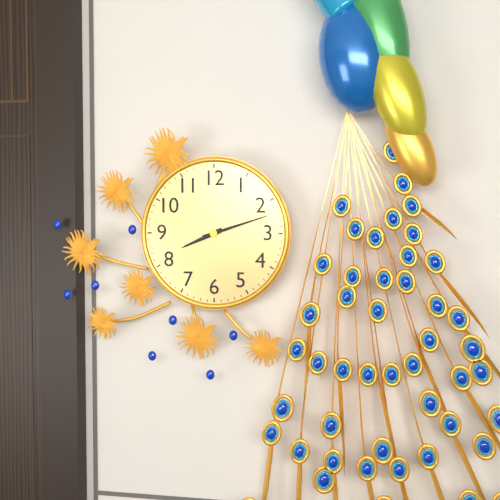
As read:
{"hour": 8, "minute": 12}
